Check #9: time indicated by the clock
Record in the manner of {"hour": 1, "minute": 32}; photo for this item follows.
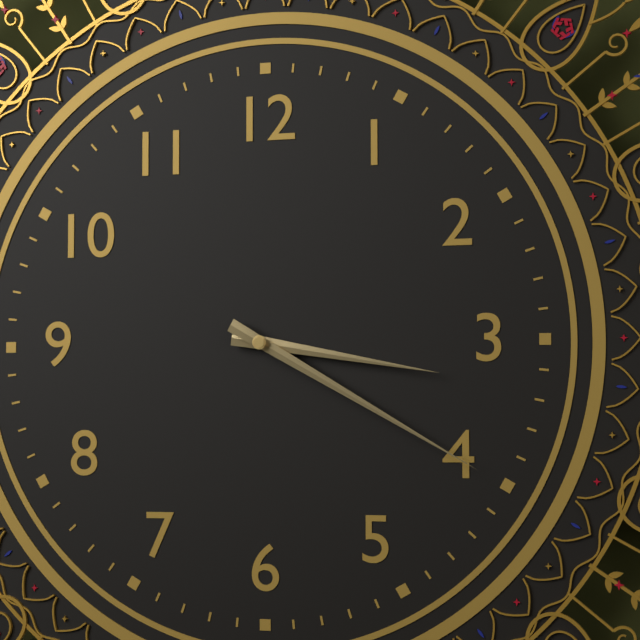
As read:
{"hour": 3, "minute": 20}
